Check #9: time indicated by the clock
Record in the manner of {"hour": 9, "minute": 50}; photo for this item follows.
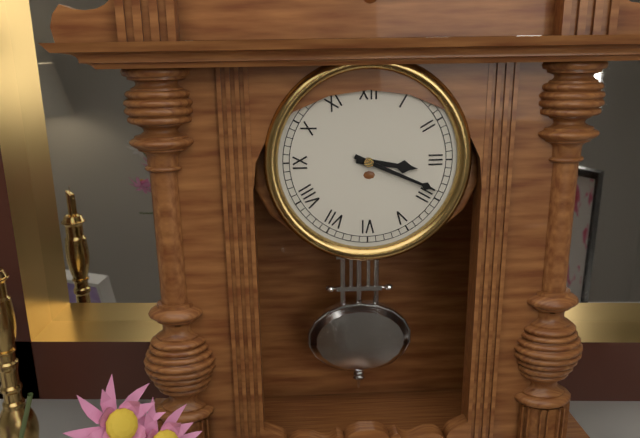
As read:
{"hour": 3, "minute": 19}
